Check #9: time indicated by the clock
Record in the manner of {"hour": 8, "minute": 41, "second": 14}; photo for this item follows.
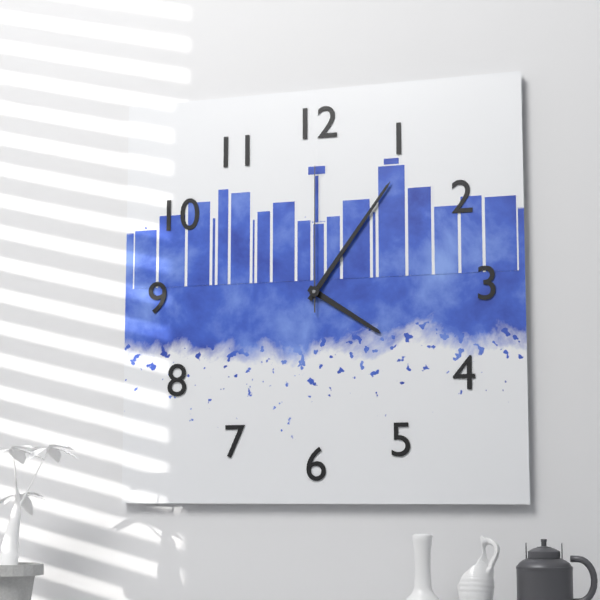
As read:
{"hour": 4, "minute": 6, "second": 0}
